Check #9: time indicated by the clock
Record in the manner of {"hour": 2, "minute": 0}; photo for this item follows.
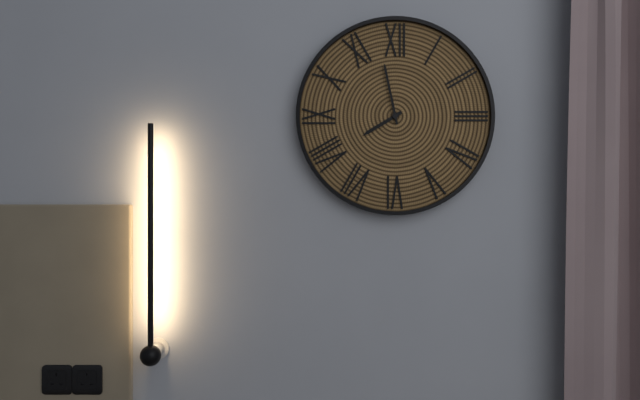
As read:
{"hour": 7, "minute": 58}
